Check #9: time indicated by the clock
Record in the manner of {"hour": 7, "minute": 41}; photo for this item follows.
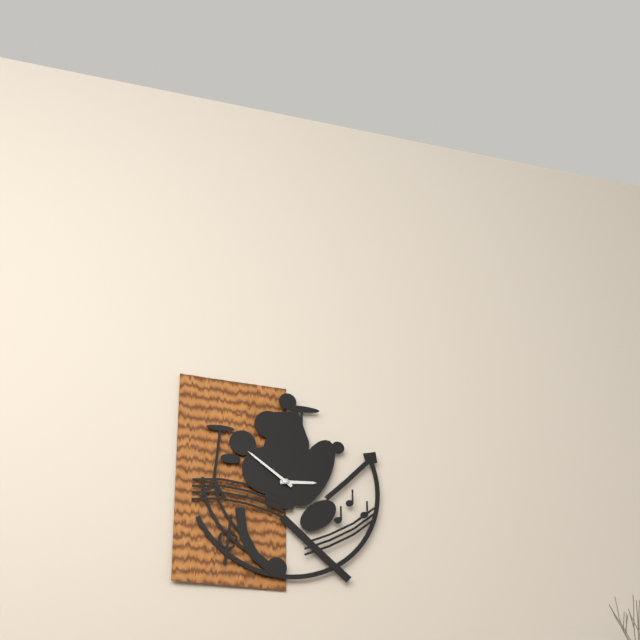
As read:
{"hour": 2, "minute": 51}
